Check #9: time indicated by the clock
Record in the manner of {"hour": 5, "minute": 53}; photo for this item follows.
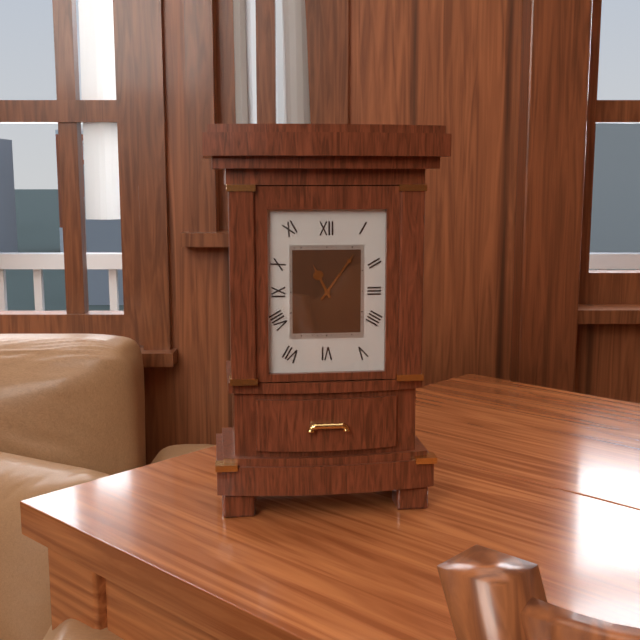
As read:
{"hour": 11, "minute": 6}
